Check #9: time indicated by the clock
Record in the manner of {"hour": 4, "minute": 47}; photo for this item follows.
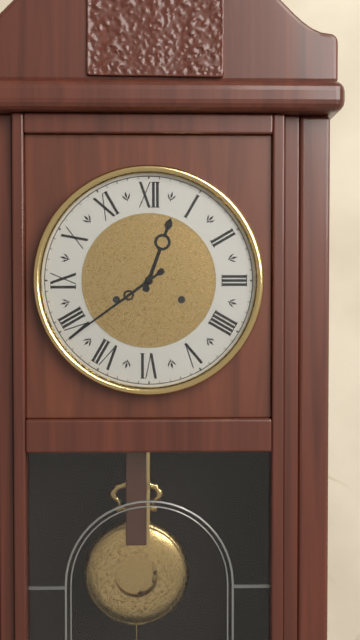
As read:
{"hour": 12, "minute": 39}
